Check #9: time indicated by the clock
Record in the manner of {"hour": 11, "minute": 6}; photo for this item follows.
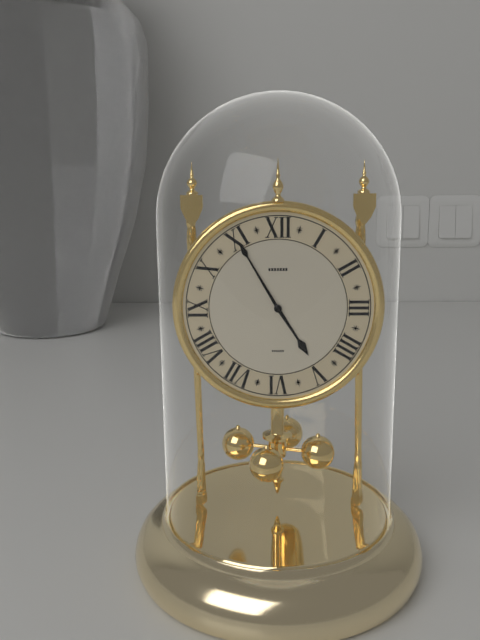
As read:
{"hour": 4, "minute": 55}
